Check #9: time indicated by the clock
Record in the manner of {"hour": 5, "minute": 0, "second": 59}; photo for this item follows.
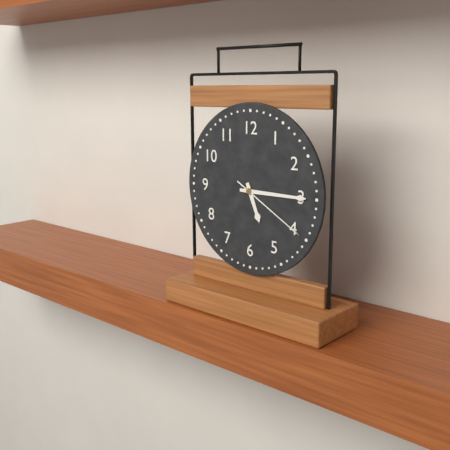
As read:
{"hour": 5, "minute": 15, "second": 20}
